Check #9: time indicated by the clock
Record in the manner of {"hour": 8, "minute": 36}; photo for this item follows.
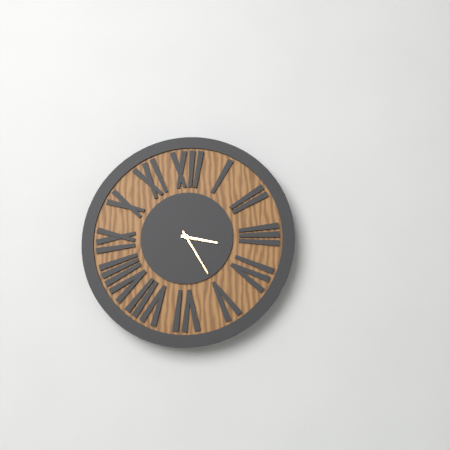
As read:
{"hour": 3, "minute": 25}
